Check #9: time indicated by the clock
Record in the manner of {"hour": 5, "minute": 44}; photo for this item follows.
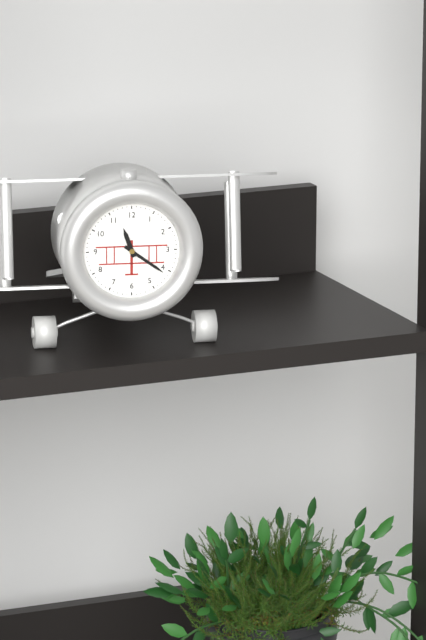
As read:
{"hour": 11, "minute": 21}
